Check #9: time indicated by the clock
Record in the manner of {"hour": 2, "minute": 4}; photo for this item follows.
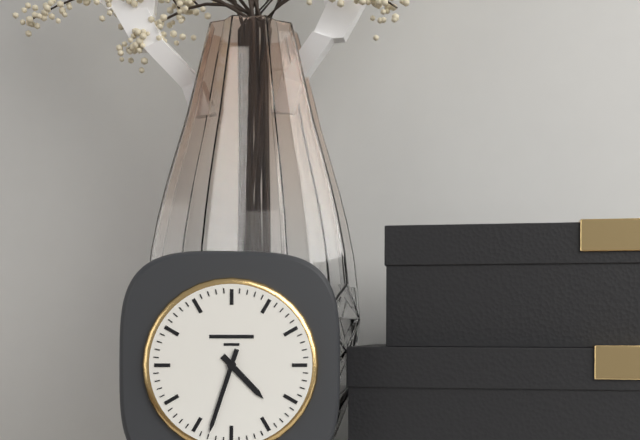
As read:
{"hour": 4, "minute": 33}
